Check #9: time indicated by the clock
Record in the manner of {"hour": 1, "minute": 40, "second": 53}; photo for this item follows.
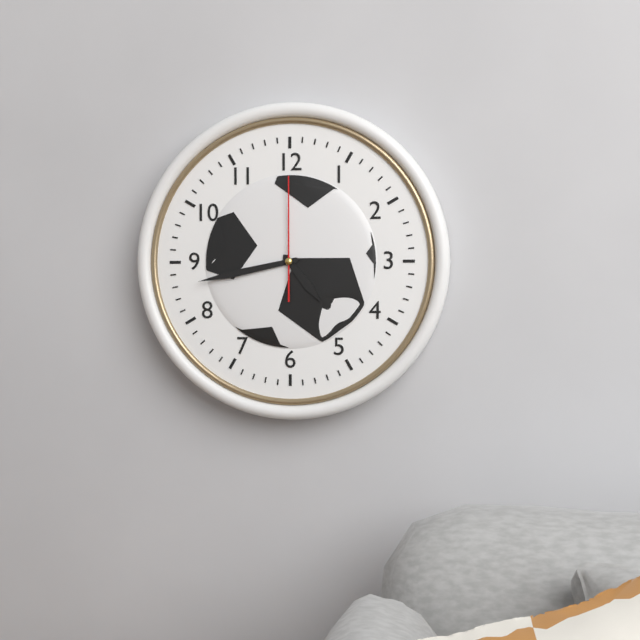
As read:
{"hour": 4, "minute": 43, "second": 0}
